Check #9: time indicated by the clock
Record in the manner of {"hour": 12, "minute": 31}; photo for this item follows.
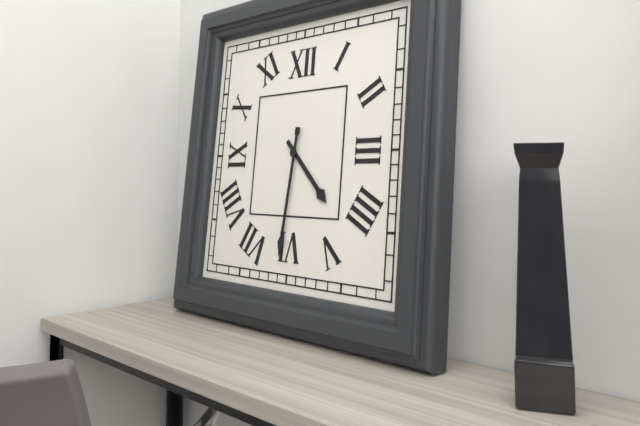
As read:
{"hour": 4, "minute": 31}
